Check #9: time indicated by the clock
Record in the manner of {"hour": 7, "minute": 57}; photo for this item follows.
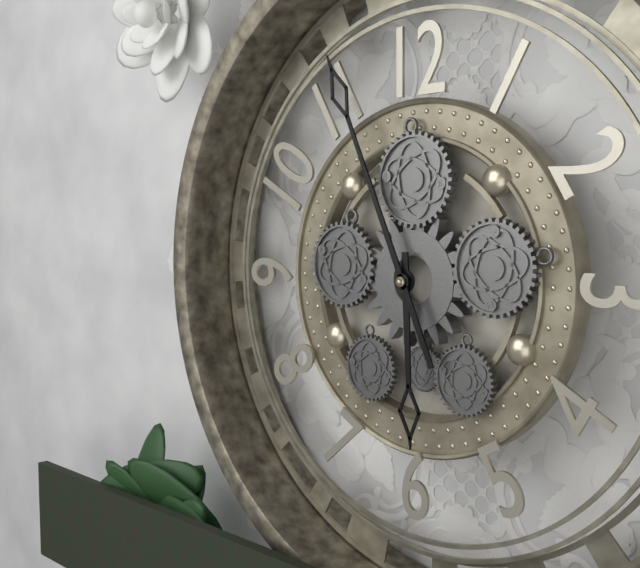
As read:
{"hour": 5, "minute": 56}
